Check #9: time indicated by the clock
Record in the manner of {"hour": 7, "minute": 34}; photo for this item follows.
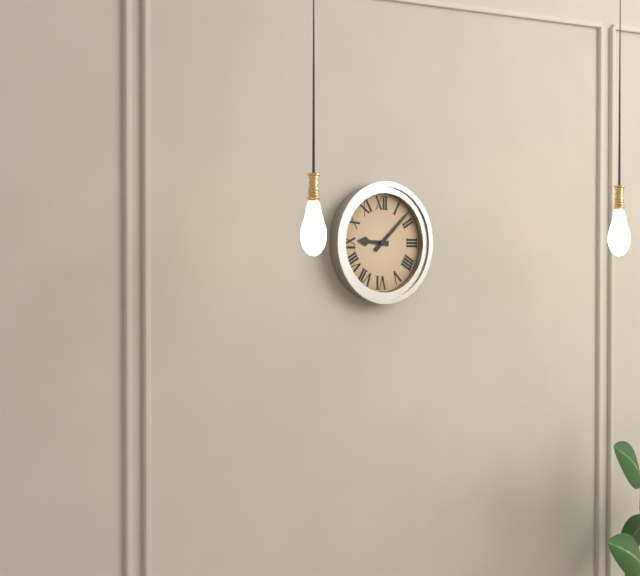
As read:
{"hour": 9, "minute": 8}
